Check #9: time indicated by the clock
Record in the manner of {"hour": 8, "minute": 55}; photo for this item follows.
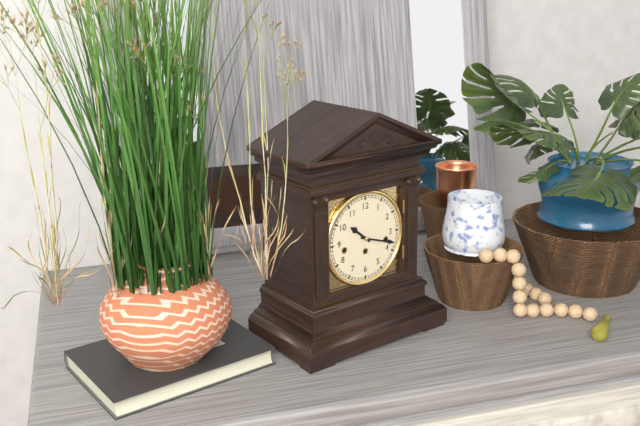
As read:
{"hour": 10, "minute": 18}
